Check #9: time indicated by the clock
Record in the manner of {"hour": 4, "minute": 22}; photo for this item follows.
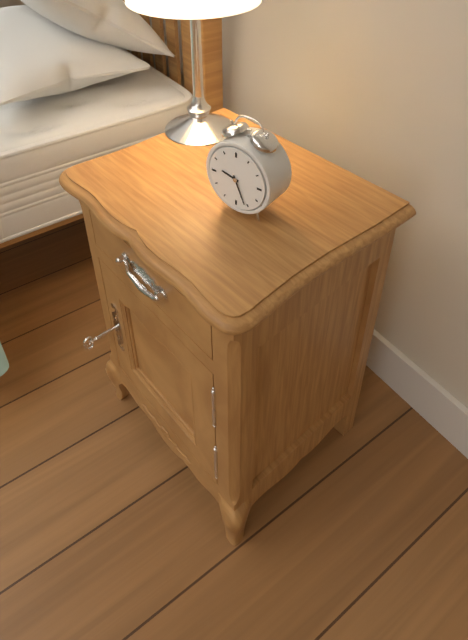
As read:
{"hour": 9, "minute": 26}
